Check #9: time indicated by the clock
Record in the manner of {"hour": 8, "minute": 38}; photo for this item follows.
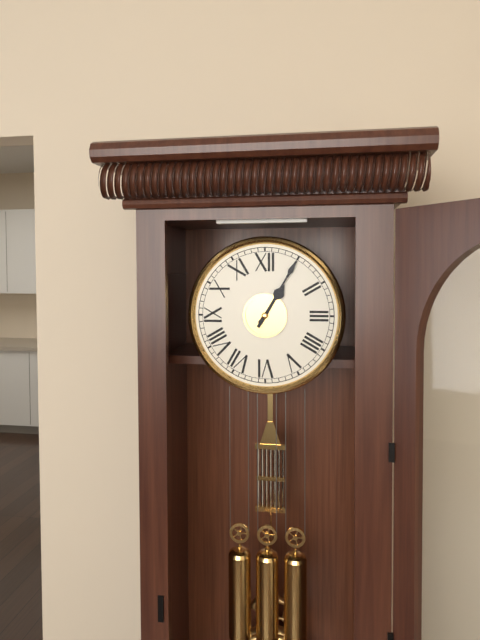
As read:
{"hour": 1, "minute": 5}
